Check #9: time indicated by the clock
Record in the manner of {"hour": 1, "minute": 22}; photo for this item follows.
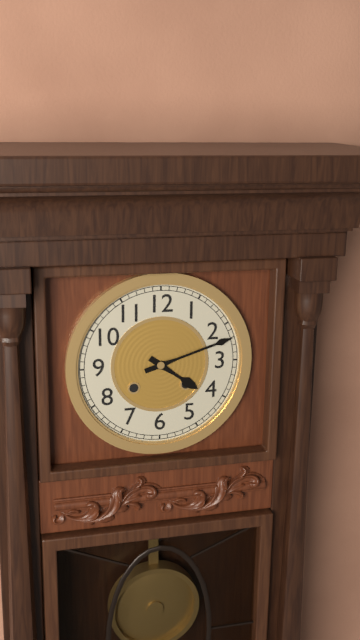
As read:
{"hour": 4, "minute": 12}
